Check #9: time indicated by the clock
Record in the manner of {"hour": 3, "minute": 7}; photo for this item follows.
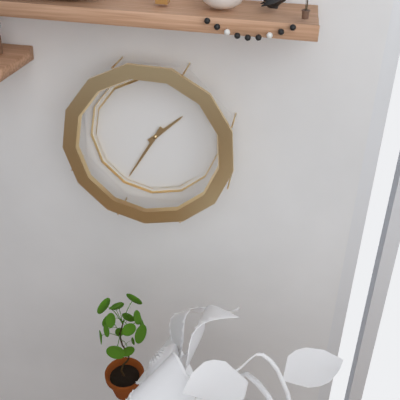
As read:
{"hour": 1, "minute": 35}
